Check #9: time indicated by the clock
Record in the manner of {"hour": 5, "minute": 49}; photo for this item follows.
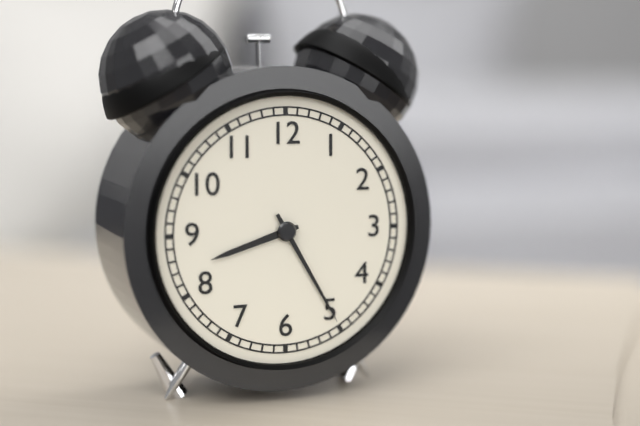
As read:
{"hour": 8, "minute": 25}
